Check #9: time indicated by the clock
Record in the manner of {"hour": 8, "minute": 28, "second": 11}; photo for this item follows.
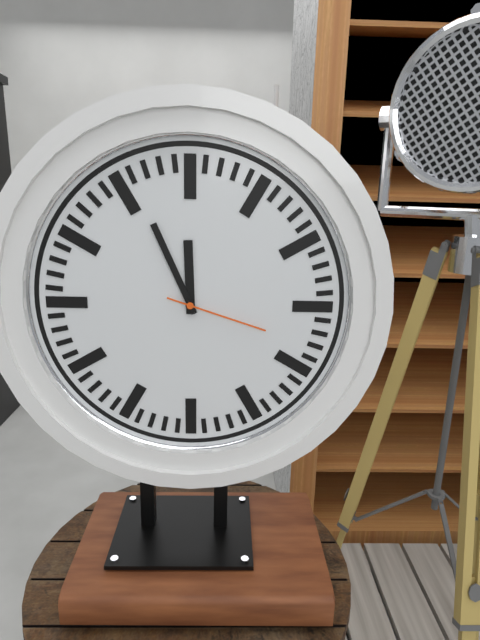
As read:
{"hour": 11, "minute": 56, "second": 18}
